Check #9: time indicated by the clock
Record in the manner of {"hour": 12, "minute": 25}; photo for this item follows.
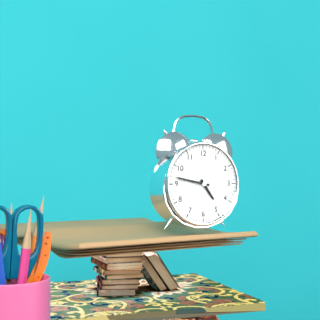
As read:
{"hour": 4, "minute": 47}
